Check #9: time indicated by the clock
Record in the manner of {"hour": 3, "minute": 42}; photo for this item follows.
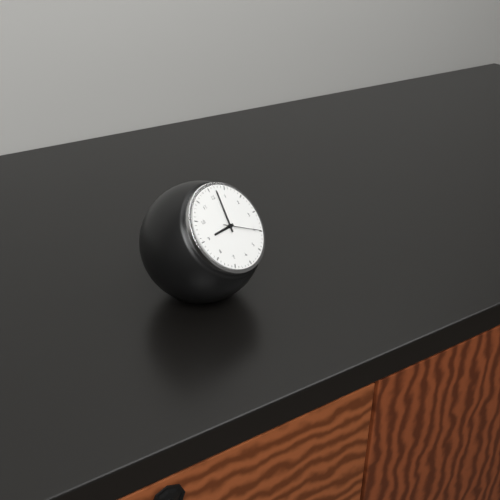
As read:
{"hour": 9, "minute": 2}
